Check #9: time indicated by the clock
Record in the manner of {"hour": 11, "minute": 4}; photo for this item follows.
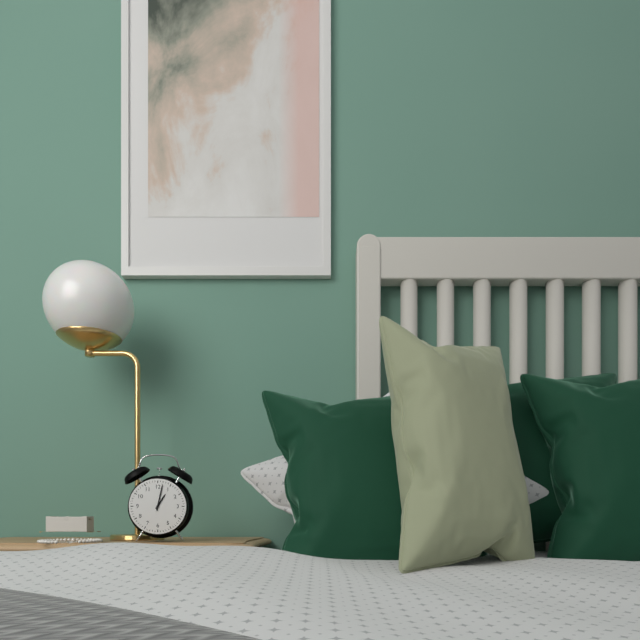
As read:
{"hour": 1, "minute": 2}
